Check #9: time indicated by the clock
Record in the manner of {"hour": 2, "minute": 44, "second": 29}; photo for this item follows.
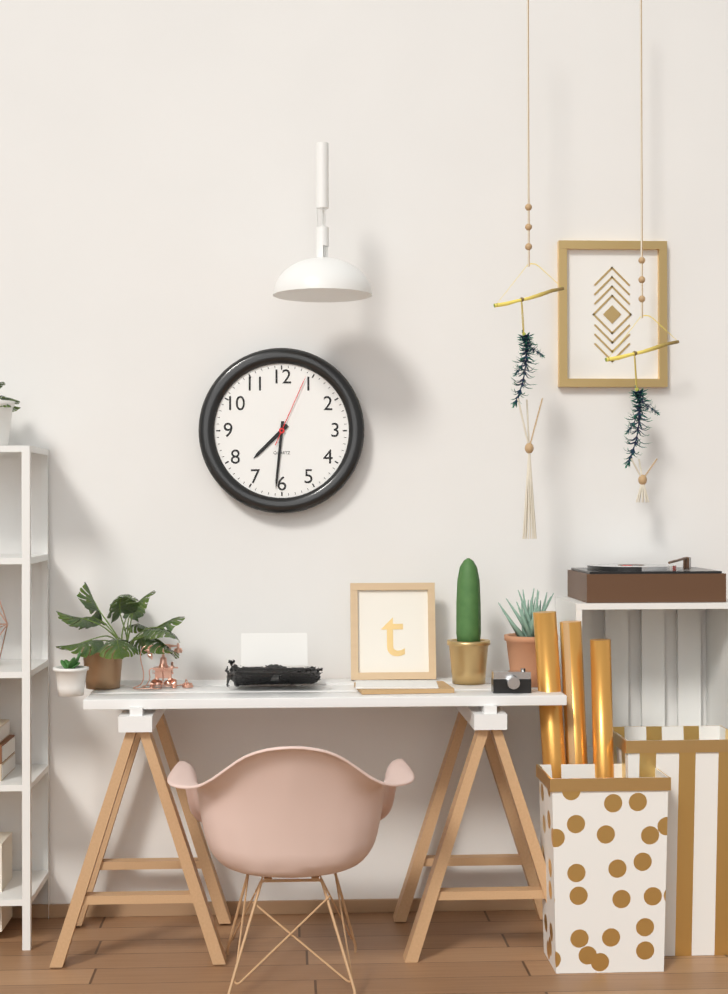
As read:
{"hour": 7, "minute": 31, "second": 4}
